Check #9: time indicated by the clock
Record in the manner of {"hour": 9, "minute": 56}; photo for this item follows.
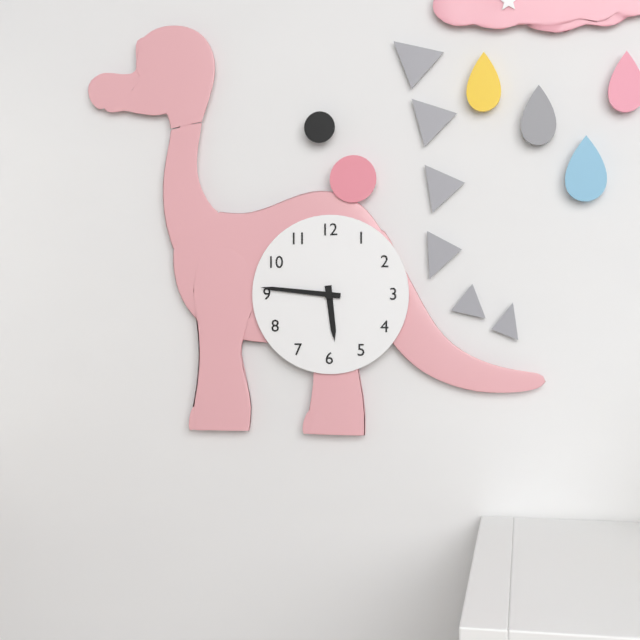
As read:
{"hour": 5, "minute": 46}
